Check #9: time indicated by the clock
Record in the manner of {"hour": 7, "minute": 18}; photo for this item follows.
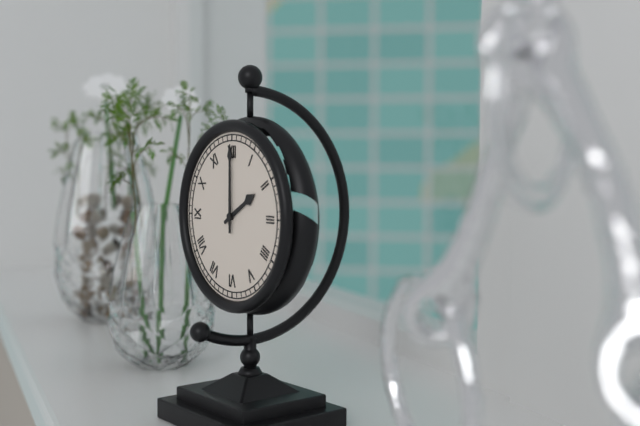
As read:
{"hour": 2, "minute": 0}
